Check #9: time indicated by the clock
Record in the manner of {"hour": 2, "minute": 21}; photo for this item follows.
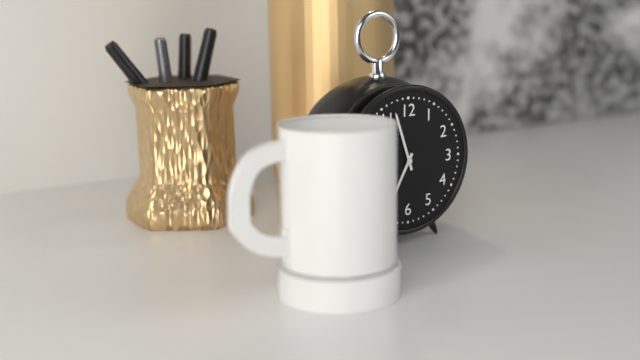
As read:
{"hour": 6, "minute": 57}
